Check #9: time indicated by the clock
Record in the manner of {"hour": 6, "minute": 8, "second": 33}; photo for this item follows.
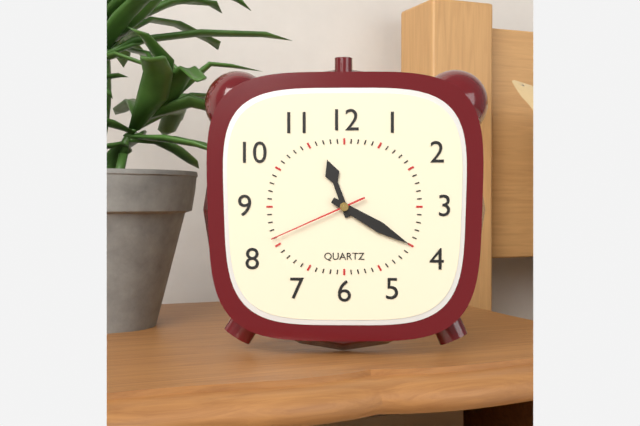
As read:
{"hour": 11, "minute": 20, "second": 41}
